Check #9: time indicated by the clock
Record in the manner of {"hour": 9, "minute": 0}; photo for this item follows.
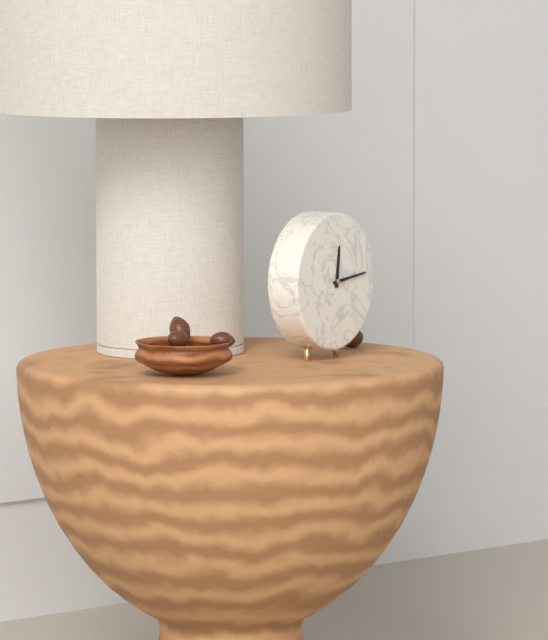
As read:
{"hour": 12, "minute": 14}
